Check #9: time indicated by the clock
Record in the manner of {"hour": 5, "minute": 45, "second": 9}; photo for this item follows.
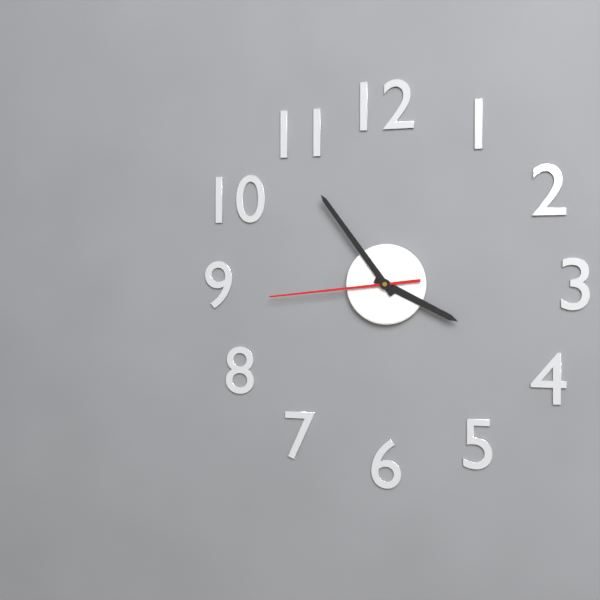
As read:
{"hour": 3, "minute": 54, "second": 44}
